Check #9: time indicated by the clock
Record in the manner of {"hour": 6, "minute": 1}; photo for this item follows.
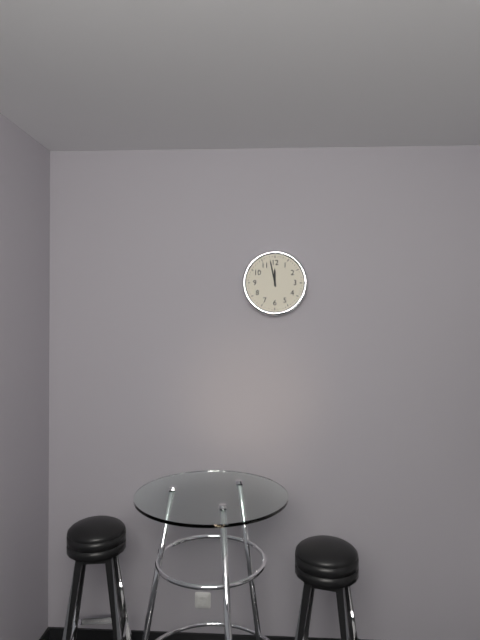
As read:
{"hour": 11, "minute": 58}
